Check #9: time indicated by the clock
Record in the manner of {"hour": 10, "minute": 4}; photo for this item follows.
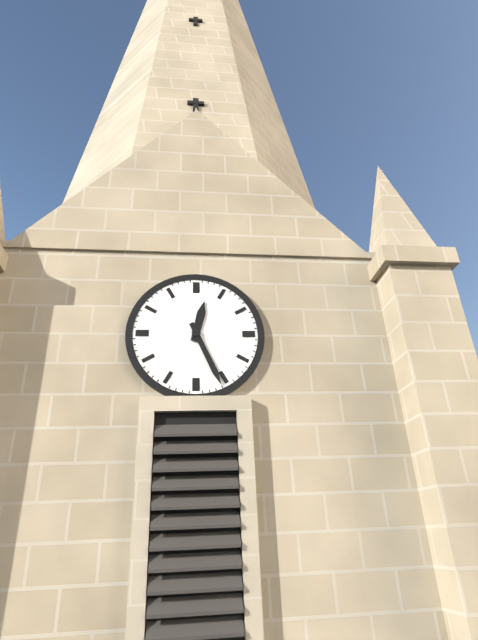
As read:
{"hour": 12, "minute": 26}
